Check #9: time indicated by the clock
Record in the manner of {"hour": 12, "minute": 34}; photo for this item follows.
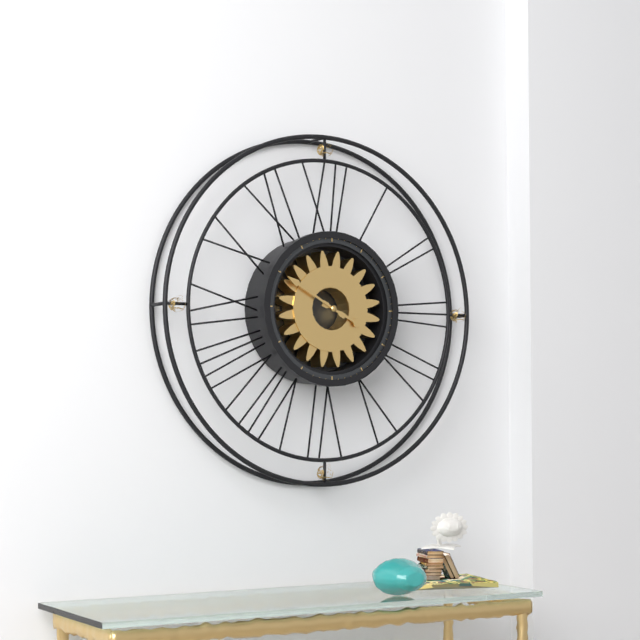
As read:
{"hour": 3, "minute": 50}
